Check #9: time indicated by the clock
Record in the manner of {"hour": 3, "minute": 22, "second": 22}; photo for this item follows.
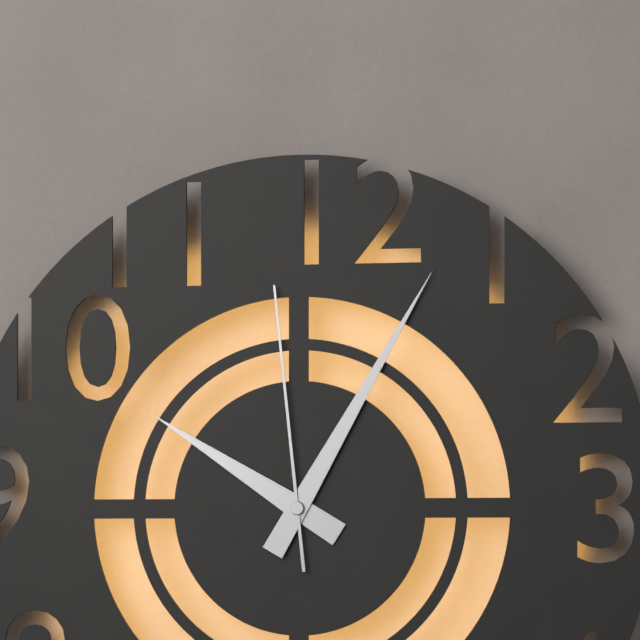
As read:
{"hour": 10, "minute": 5, "second": 59}
